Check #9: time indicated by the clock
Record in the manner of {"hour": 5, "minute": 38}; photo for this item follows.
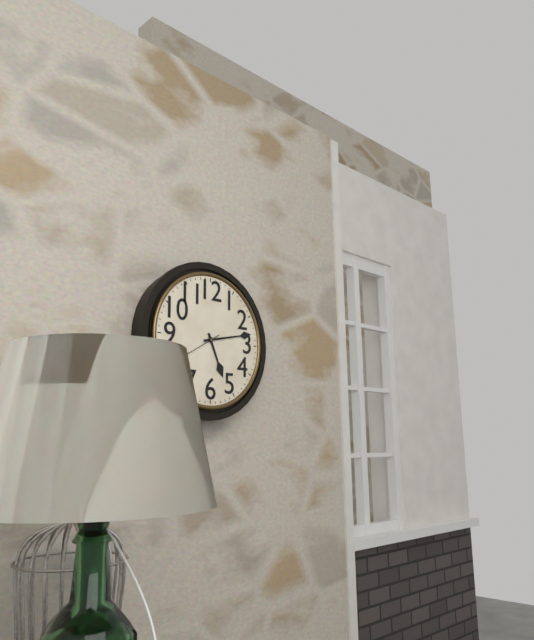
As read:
{"hour": 5, "minute": 13}
